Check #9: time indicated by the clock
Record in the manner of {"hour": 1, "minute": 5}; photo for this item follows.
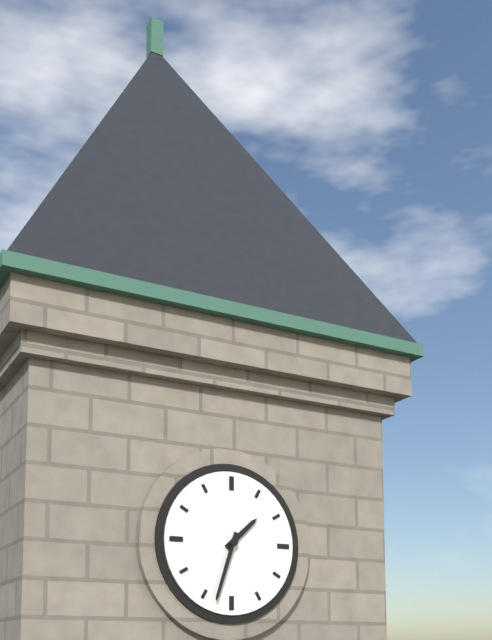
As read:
{"hour": 1, "minute": 33}
